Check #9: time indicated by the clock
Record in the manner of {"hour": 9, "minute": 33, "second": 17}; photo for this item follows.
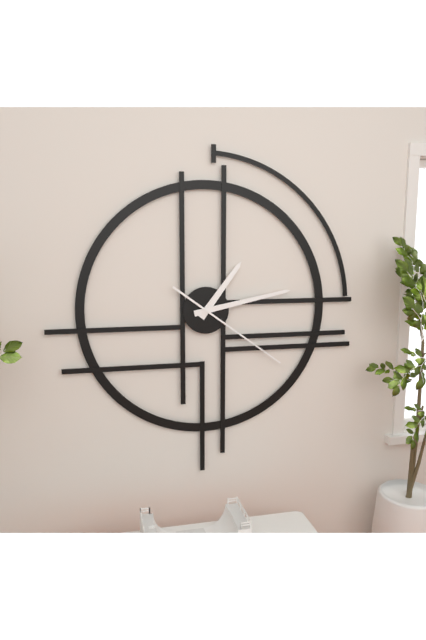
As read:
{"hour": 1, "minute": 13, "second": 21}
